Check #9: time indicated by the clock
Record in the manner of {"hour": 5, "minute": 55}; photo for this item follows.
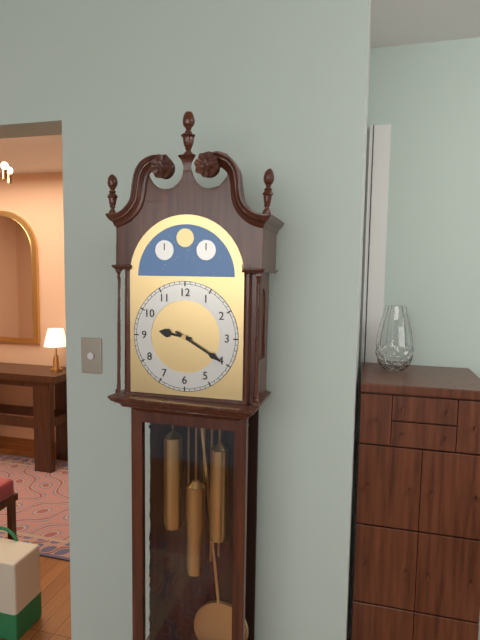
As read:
{"hour": 9, "minute": 20}
